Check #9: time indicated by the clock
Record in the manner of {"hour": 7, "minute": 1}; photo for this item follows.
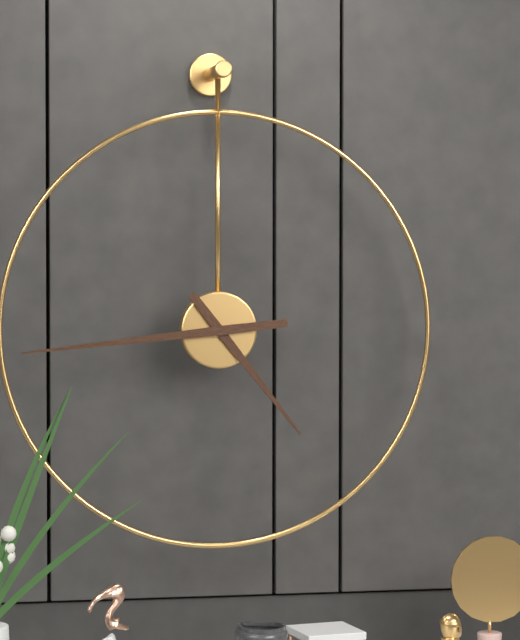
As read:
{"hour": 4, "minute": 44}
